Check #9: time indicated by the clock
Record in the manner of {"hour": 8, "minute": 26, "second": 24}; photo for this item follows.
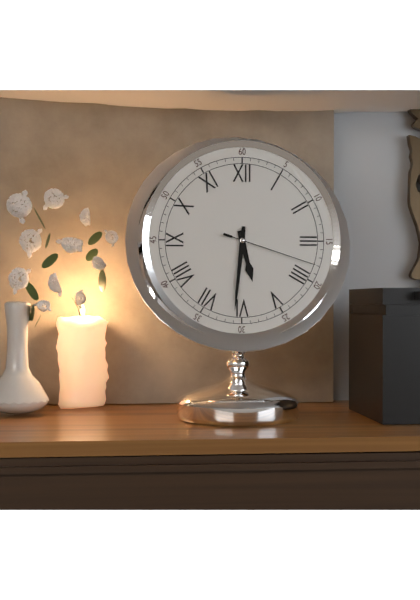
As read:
{"hour": 5, "minute": 31, "second": 18}
